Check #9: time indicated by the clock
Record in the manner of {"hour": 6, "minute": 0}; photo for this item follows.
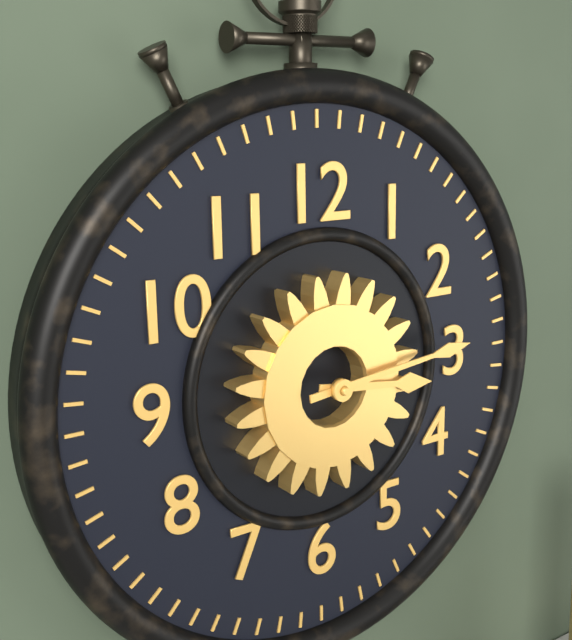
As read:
{"hour": 3, "minute": 14}
